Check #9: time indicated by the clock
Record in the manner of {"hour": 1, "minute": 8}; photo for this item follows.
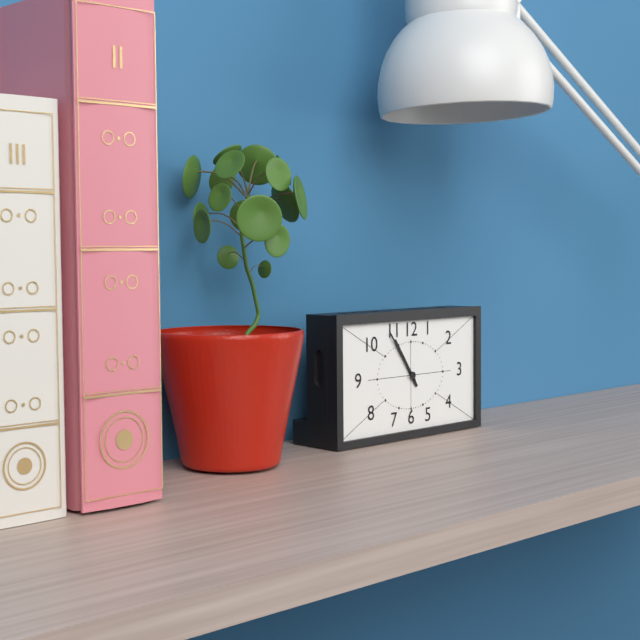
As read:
{"hour": 10, "minute": 54}
